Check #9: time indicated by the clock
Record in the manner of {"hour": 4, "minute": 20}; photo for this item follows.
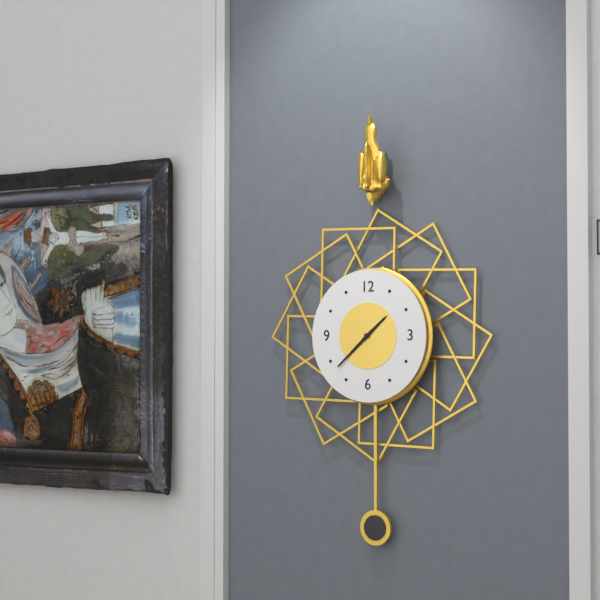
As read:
{"hour": 1, "minute": 38}
